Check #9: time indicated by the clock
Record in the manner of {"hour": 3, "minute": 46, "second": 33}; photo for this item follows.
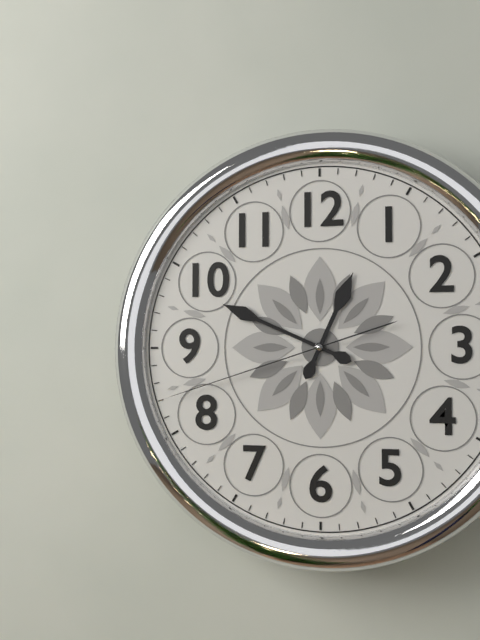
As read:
{"hour": 12, "minute": 49, "second": 42}
